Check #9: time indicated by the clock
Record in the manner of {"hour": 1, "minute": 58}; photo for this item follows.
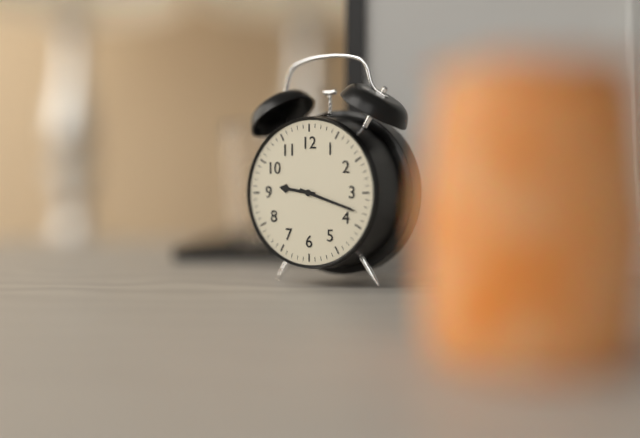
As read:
{"hour": 9, "minute": 18}
